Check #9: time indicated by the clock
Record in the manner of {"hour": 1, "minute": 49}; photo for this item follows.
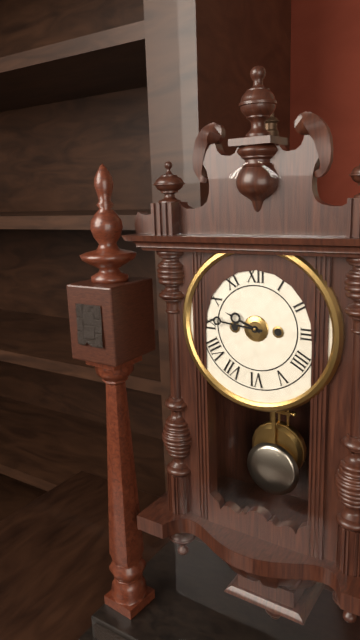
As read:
{"hour": 9, "minute": 46}
